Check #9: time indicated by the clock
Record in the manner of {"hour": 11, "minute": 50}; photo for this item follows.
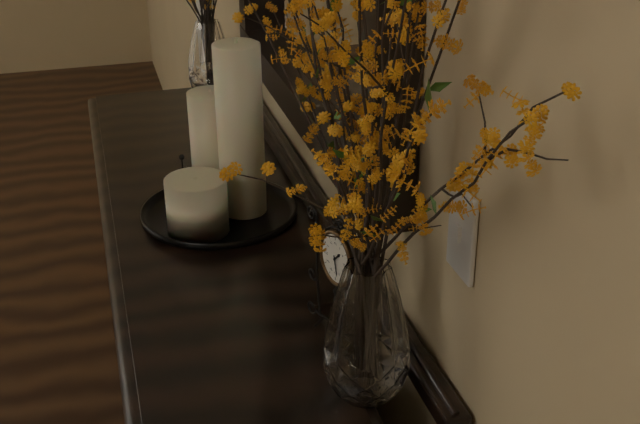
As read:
{"hour": 1, "minute": 28}
